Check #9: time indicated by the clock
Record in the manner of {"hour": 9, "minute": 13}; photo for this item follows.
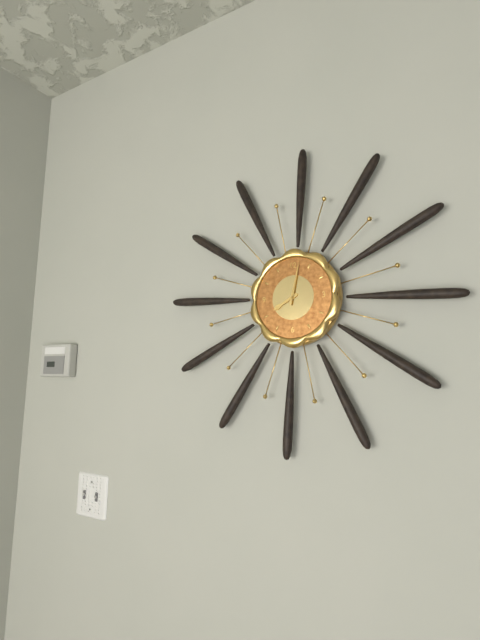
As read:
{"hour": 8, "minute": 2}
